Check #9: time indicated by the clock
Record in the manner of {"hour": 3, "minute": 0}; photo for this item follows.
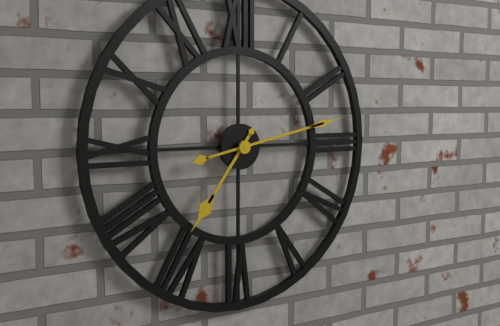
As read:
{"hour": 7, "minute": 13}
